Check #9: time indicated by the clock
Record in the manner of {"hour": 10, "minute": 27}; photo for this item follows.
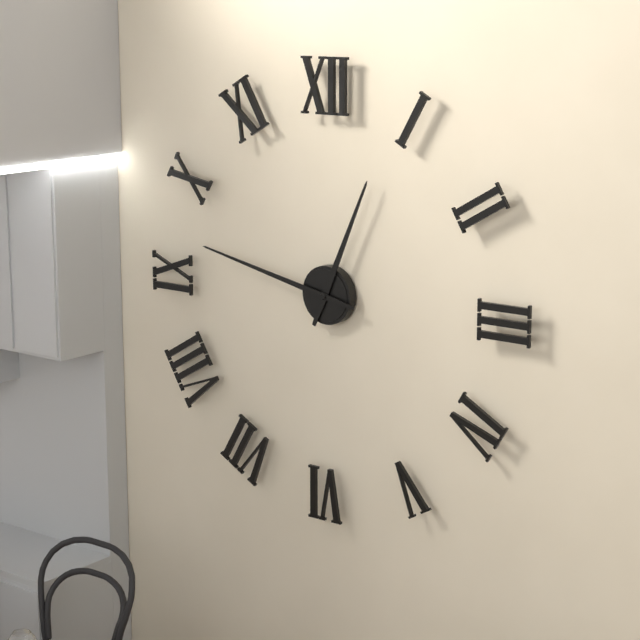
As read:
{"hour": 12, "minute": 47}
